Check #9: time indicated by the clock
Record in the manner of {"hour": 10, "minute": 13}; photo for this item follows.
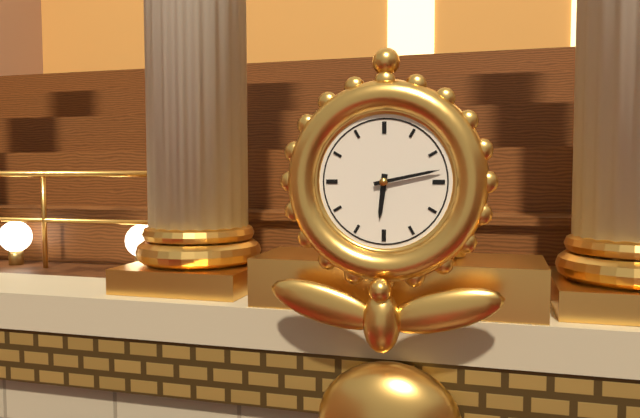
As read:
{"hour": 6, "minute": 13}
